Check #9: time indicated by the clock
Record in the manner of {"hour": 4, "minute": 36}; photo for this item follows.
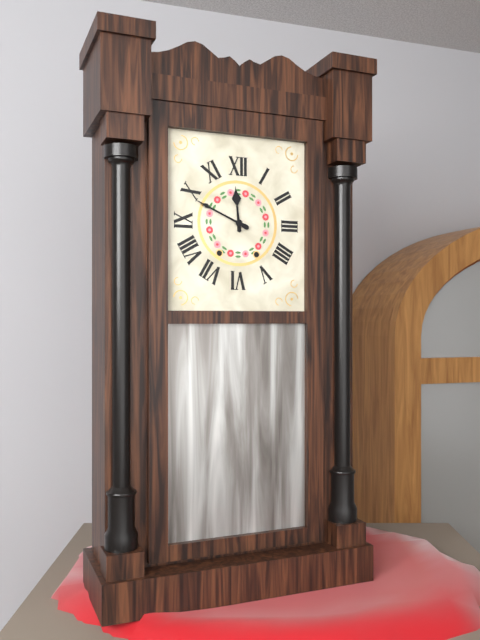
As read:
{"hour": 11, "minute": 49}
